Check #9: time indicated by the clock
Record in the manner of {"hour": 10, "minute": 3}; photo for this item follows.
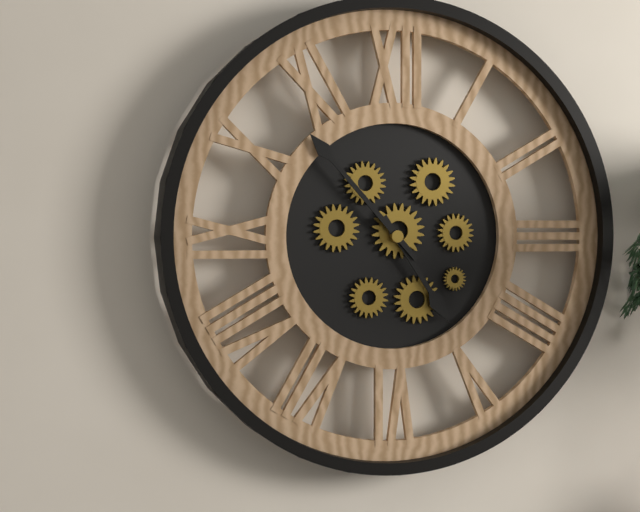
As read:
{"hour": 4, "minute": 53}
